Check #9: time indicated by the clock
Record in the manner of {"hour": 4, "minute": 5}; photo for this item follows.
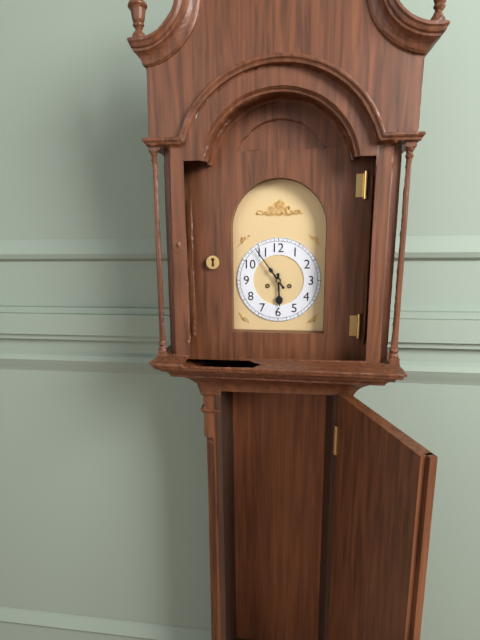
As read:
{"hour": 5, "minute": 54}
